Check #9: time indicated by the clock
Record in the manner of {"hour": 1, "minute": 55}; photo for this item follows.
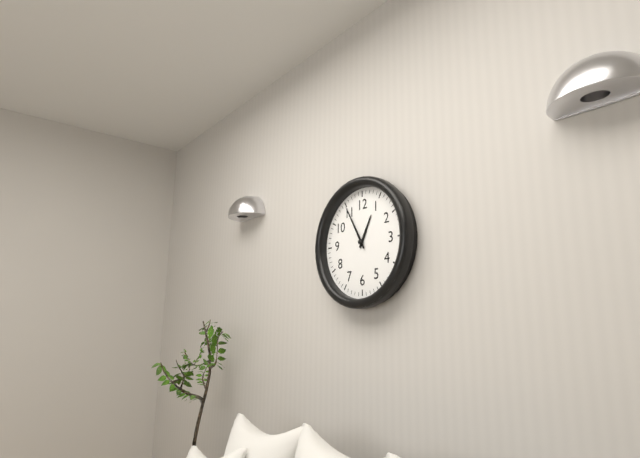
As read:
{"hour": 12, "minute": 55}
